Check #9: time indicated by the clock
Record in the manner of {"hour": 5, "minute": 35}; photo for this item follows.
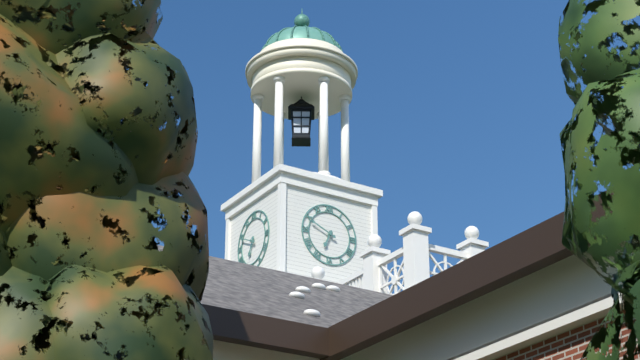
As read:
{"hour": 6, "minute": 49}
